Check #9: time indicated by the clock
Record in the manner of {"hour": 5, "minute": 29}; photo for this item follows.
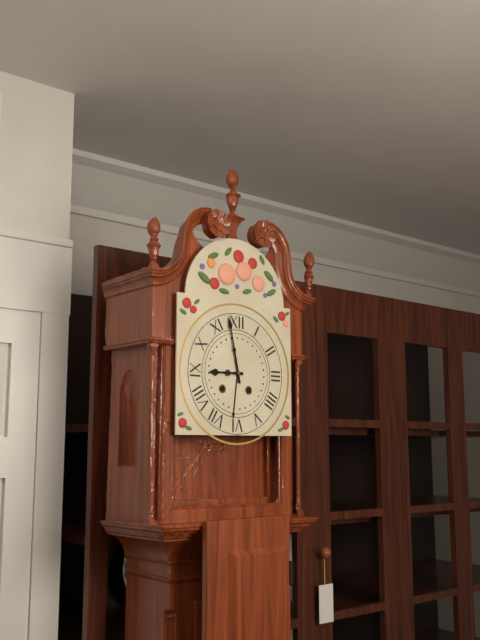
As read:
{"hour": 8, "minute": 58}
